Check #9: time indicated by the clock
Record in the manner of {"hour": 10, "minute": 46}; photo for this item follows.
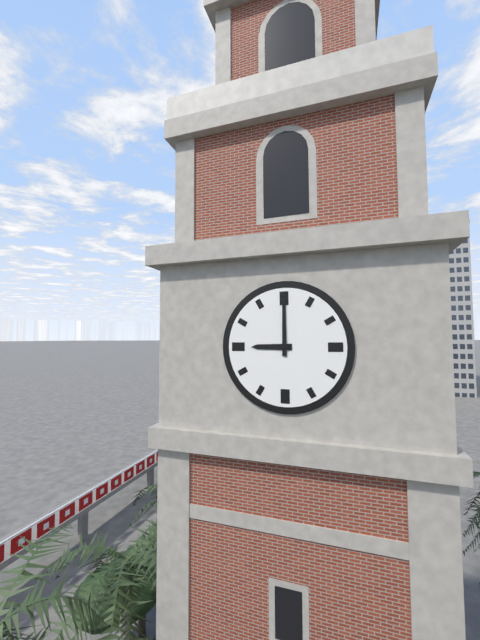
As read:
{"hour": 9, "minute": 0}
